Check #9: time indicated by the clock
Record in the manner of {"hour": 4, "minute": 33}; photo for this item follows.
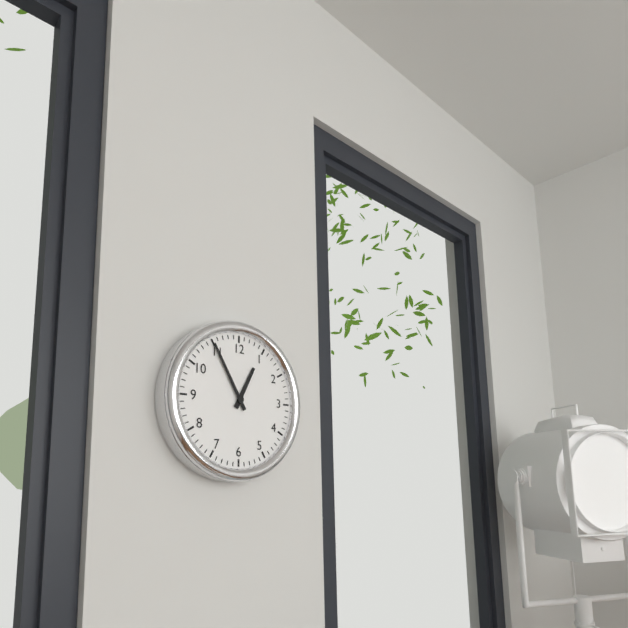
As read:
{"hour": 12, "minute": 55}
